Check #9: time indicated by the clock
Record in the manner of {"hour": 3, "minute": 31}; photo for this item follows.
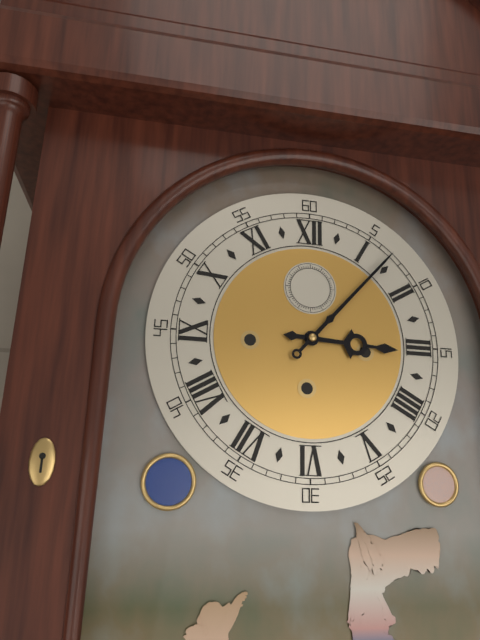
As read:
{"hour": 3, "minute": 7}
